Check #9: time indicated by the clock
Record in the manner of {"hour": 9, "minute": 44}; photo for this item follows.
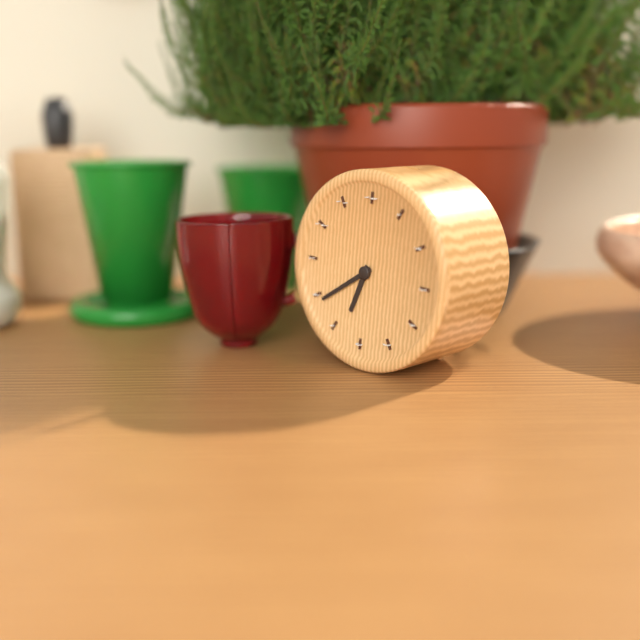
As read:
{"hour": 6, "minute": 39}
